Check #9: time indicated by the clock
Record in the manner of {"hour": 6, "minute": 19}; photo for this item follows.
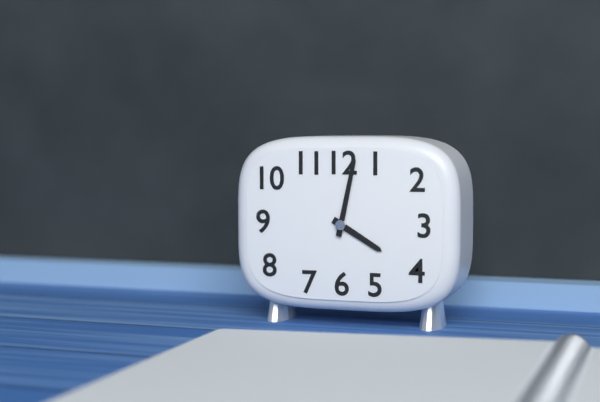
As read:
{"hour": 4, "minute": 2}
